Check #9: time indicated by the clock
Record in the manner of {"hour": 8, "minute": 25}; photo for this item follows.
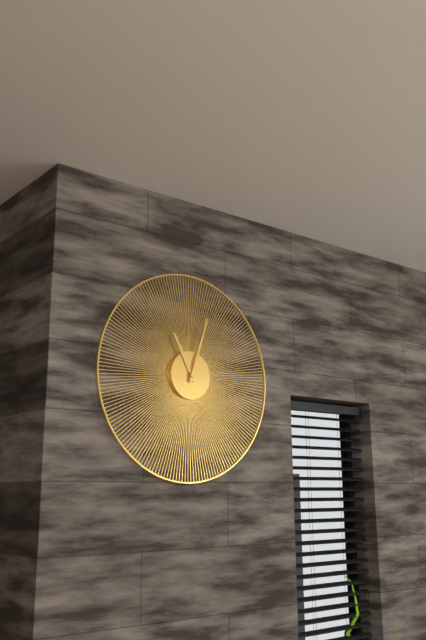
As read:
{"hour": 11, "minute": 3}
